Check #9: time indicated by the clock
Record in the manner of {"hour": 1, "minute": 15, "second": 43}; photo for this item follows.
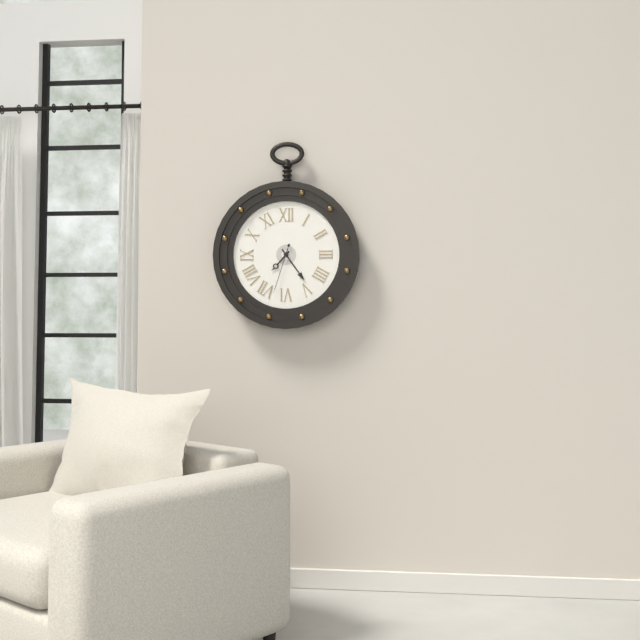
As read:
{"hour": 7, "minute": 24, "second": 33}
